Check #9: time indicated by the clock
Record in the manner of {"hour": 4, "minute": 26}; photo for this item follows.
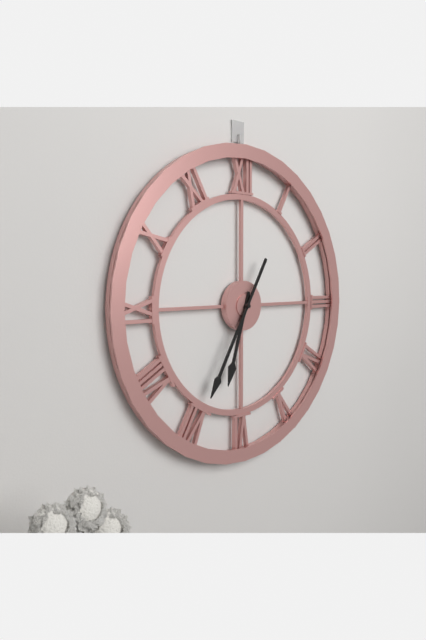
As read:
{"hour": 6, "minute": 35}
